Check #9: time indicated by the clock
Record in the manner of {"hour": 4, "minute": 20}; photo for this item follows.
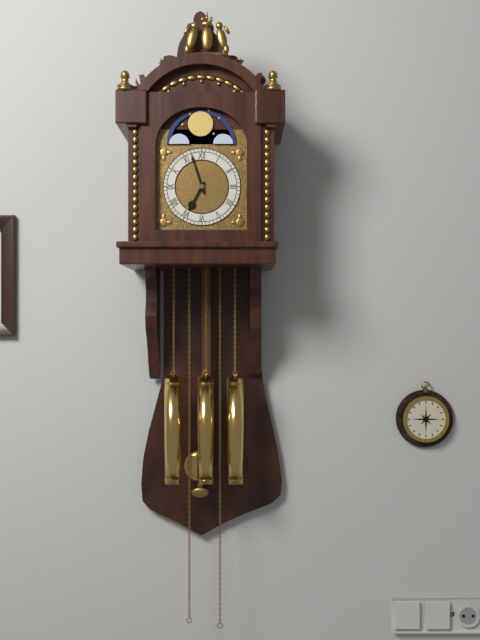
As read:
{"hour": 6, "minute": 57}
